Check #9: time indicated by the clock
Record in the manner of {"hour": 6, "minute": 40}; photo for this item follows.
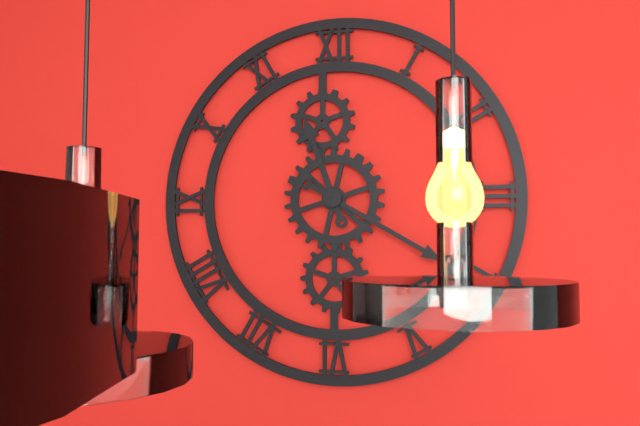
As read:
{"hour": 11, "minute": 20}
